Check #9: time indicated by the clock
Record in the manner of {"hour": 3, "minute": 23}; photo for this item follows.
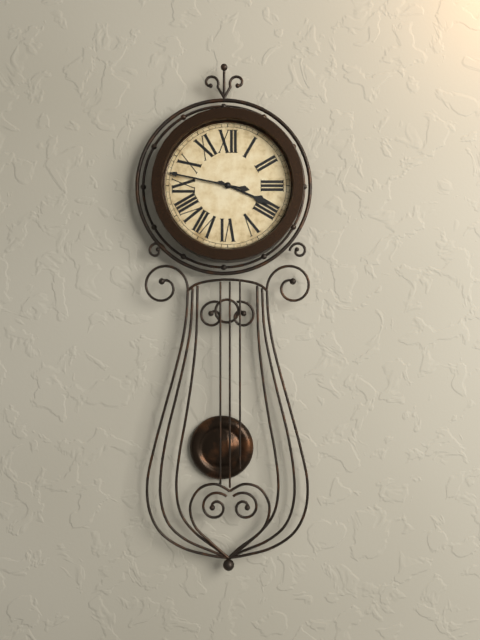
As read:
{"hour": 3, "minute": 47}
